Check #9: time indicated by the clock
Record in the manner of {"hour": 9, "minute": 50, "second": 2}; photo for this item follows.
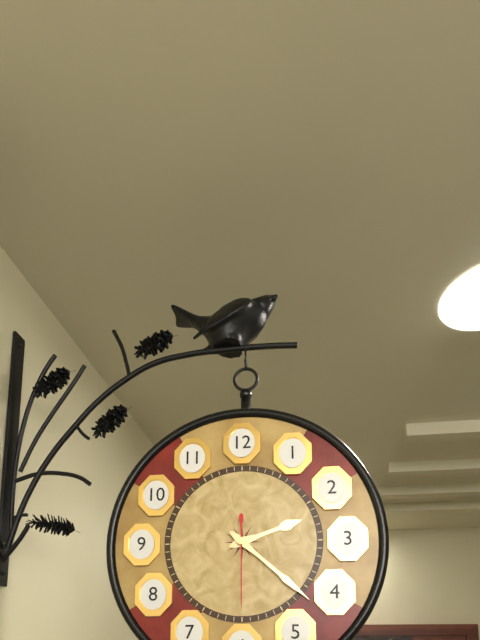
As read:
{"hour": 2, "minute": 22, "second": 30}
